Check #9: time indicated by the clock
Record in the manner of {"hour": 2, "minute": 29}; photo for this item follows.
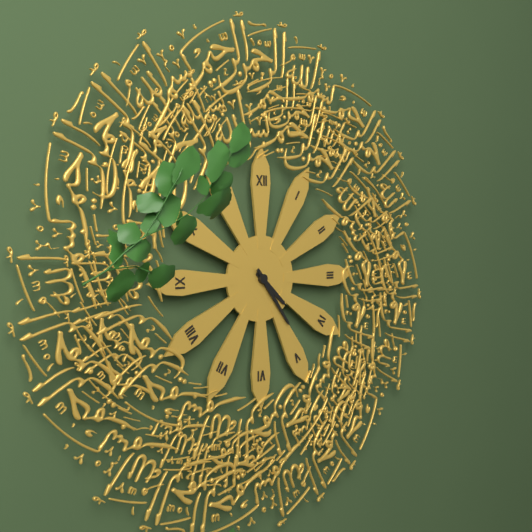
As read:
{"hour": 4, "minute": 24}
